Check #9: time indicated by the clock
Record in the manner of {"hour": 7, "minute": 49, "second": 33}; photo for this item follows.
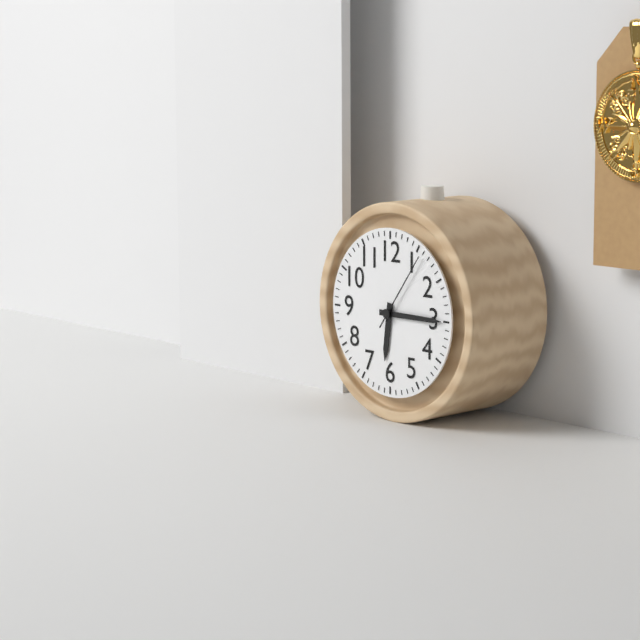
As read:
{"hour": 6, "minute": 15, "second": 6}
